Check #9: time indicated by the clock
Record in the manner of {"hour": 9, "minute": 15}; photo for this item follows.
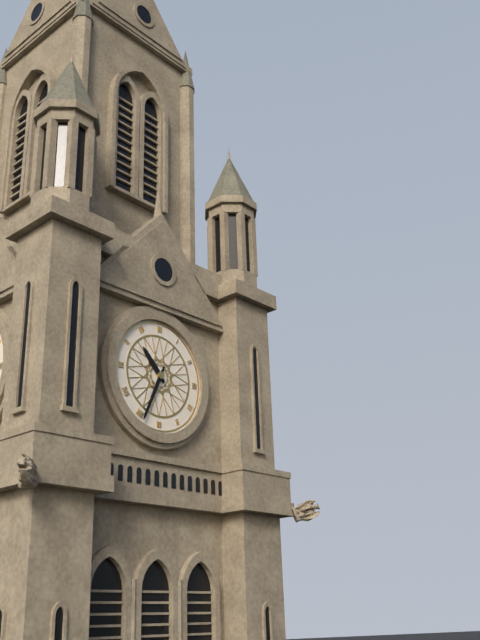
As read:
{"hour": 10, "minute": 34}
